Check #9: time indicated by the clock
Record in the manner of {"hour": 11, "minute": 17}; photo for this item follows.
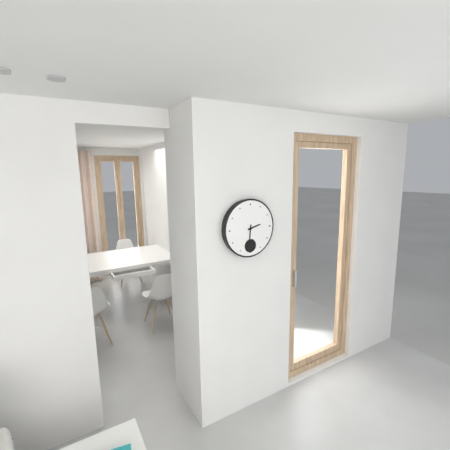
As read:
{"hour": 2, "minute": 31}
